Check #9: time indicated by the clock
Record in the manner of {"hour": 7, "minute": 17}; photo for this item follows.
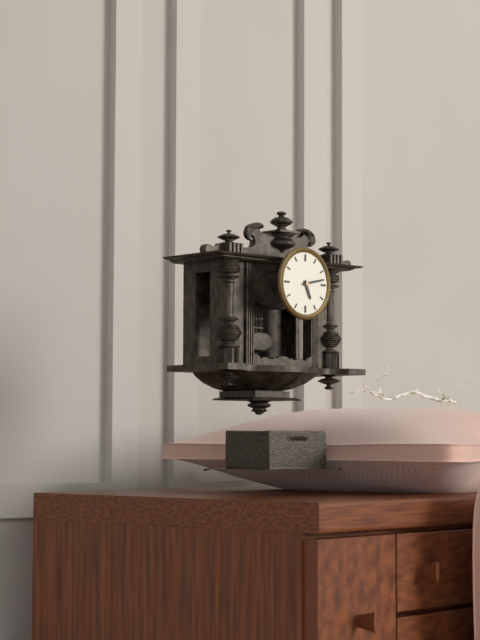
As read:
{"hour": 5, "minute": 13}
